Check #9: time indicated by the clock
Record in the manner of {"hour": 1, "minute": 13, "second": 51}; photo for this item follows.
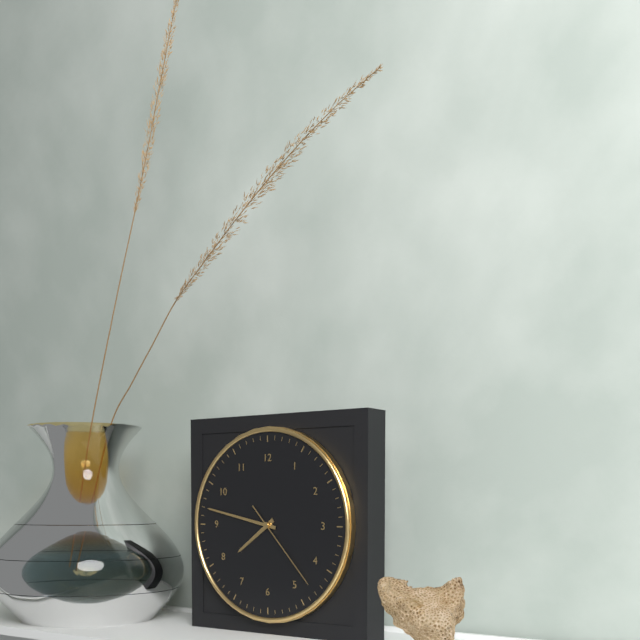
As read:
{"hour": 7, "minute": 47, "second": 23}
